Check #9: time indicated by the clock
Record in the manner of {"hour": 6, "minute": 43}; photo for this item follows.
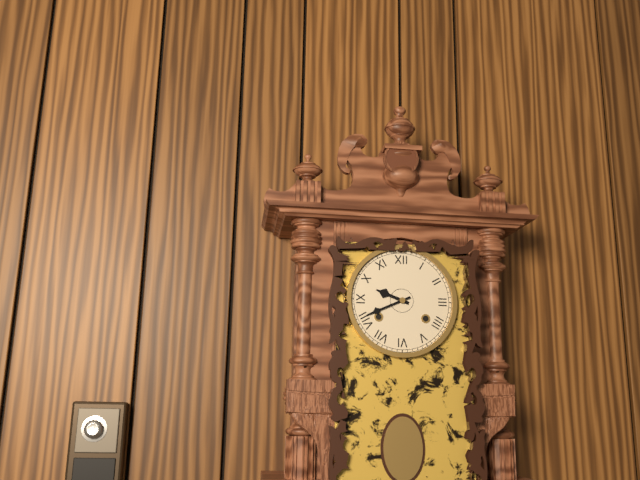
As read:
{"hour": 9, "minute": 41}
